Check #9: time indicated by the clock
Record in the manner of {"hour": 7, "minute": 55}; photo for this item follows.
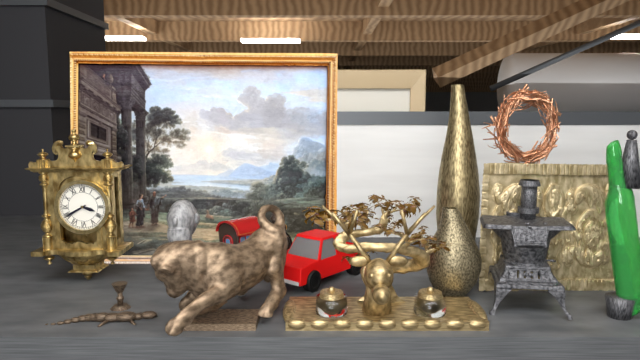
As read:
{"hour": 3, "minute": 40}
